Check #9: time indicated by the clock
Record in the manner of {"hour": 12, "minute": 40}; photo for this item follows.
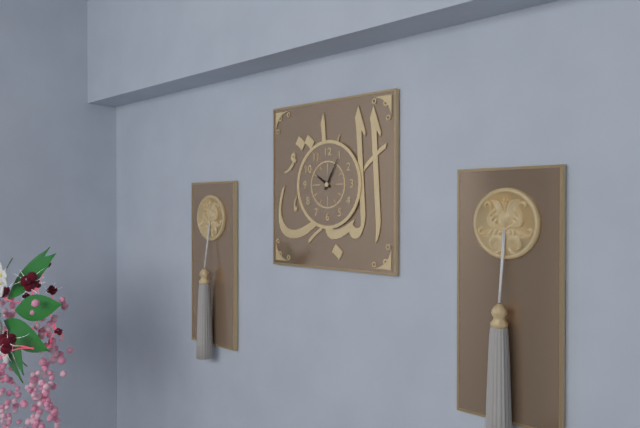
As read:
{"hour": 10, "minute": 5}
